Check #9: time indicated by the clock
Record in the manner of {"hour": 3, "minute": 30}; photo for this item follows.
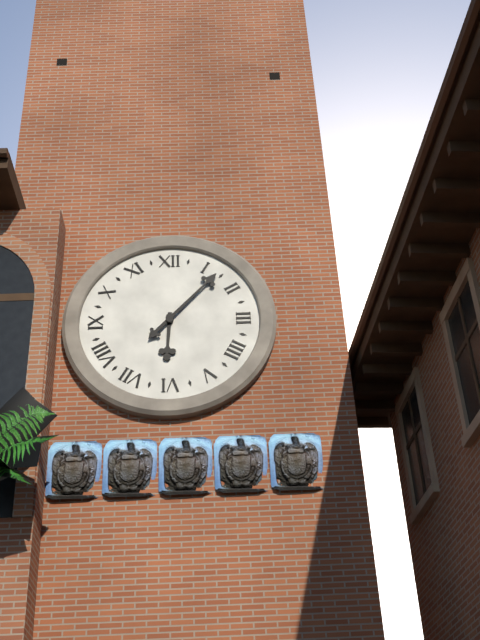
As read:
{"hour": 6, "minute": 7}
